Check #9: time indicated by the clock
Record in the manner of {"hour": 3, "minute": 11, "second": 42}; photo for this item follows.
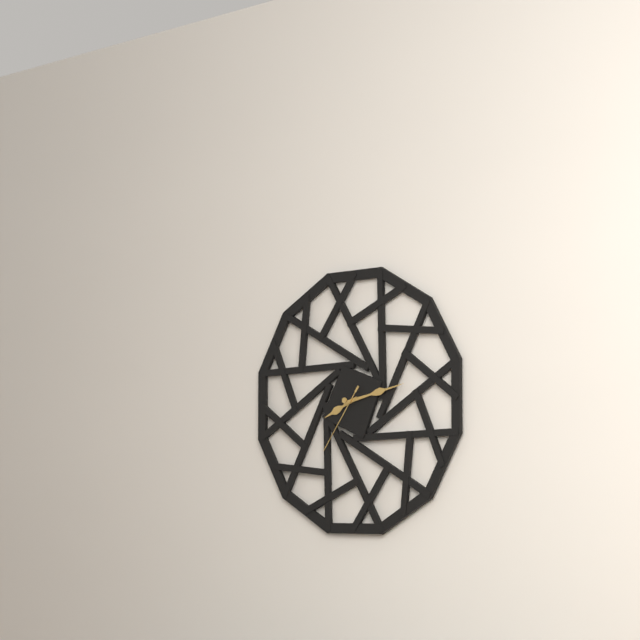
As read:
{"hour": 8, "minute": 13, "second": 36}
